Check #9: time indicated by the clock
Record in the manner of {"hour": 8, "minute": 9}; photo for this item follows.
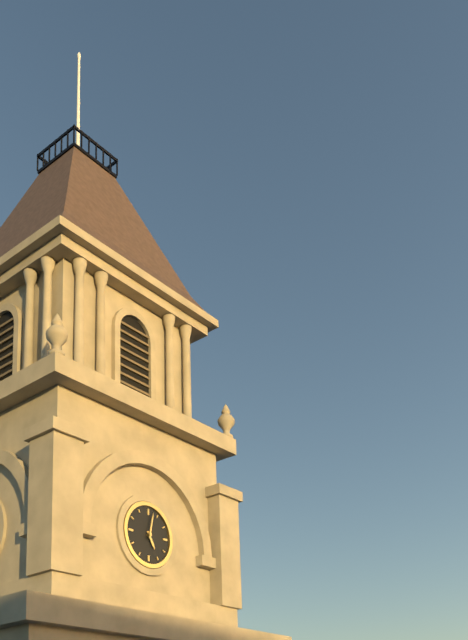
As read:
{"hour": 5, "minute": 2}
